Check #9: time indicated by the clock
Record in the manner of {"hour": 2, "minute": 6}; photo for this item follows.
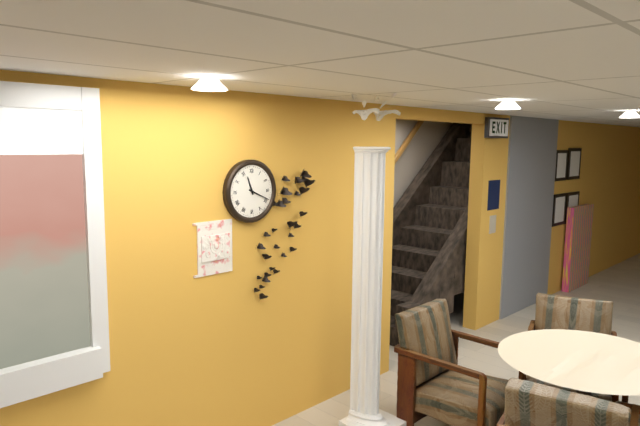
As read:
{"hour": 11, "minute": 19}
